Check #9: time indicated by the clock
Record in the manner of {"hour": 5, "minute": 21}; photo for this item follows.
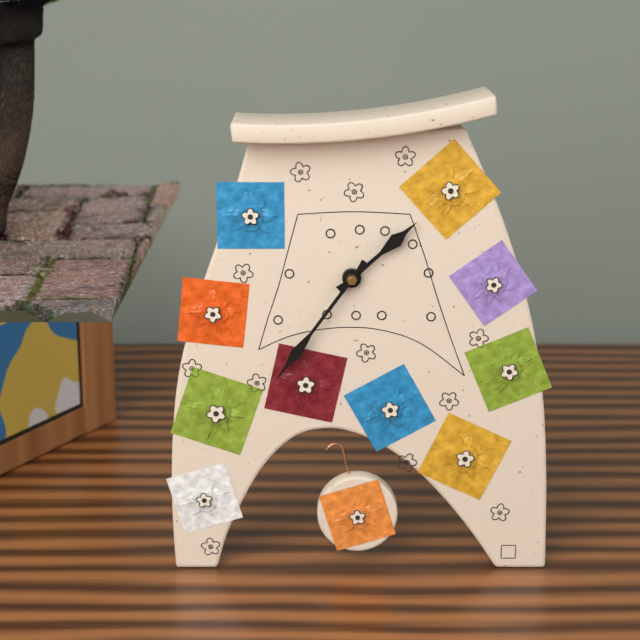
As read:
{"hour": 1, "minute": 36}
